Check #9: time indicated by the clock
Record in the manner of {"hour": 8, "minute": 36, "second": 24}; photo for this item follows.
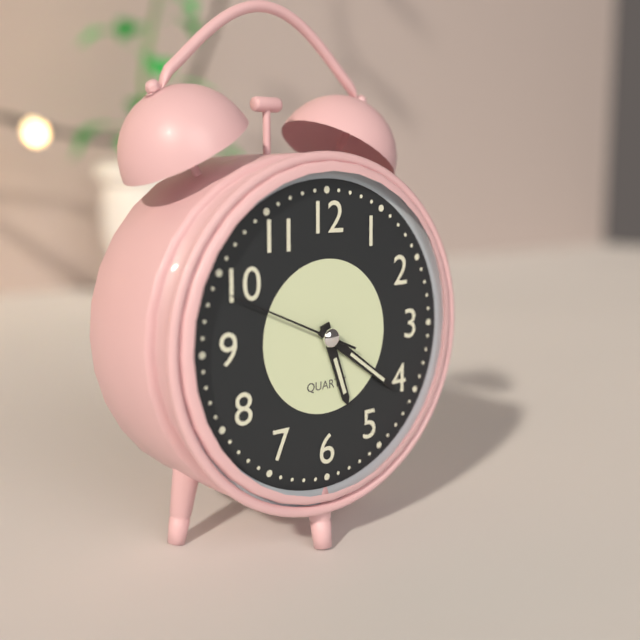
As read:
{"hour": 5, "minute": 21, "second": 49}
